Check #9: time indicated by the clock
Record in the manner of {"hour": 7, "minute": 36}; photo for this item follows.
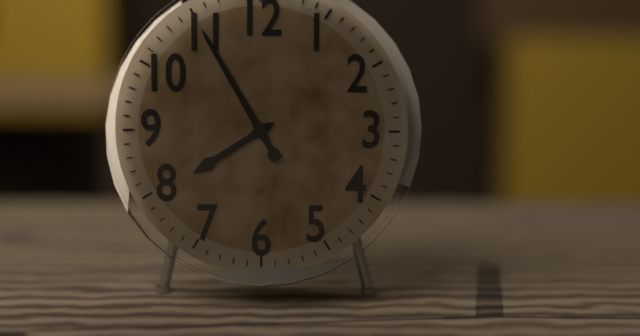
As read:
{"hour": 7, "minute": 55}
